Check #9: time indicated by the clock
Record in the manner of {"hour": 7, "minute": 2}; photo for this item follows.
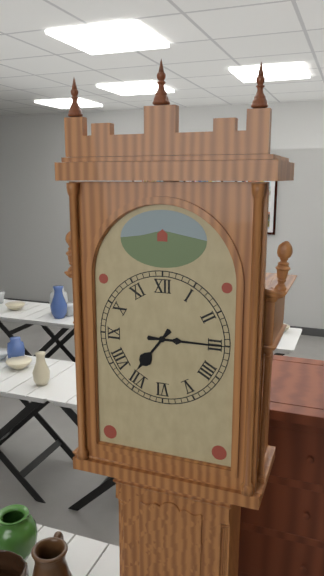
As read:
{"hour": 7, "minute": 15}
